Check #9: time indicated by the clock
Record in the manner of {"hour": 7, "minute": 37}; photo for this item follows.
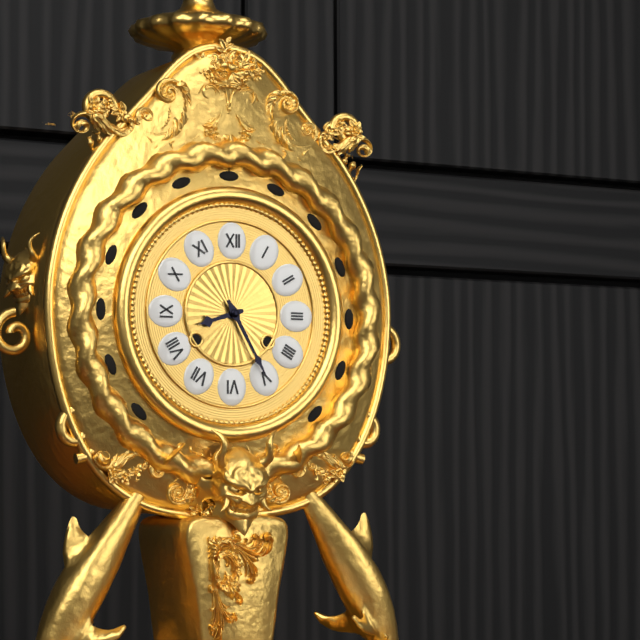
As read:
{"hour": 8, "minute": 25}
